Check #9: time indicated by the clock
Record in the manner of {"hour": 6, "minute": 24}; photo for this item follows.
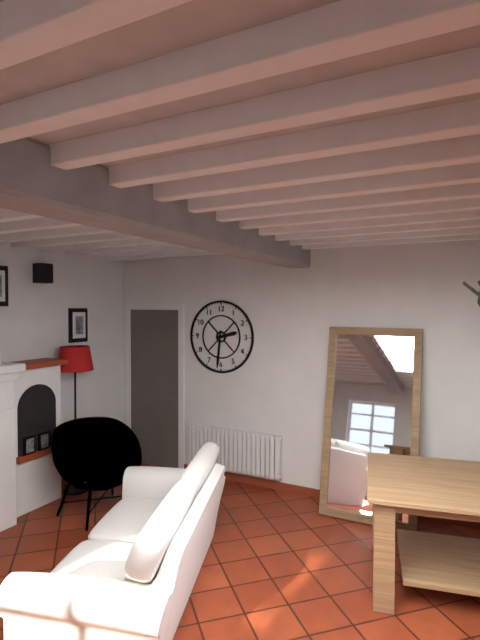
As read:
{"hour": 2, "minute": 31}
